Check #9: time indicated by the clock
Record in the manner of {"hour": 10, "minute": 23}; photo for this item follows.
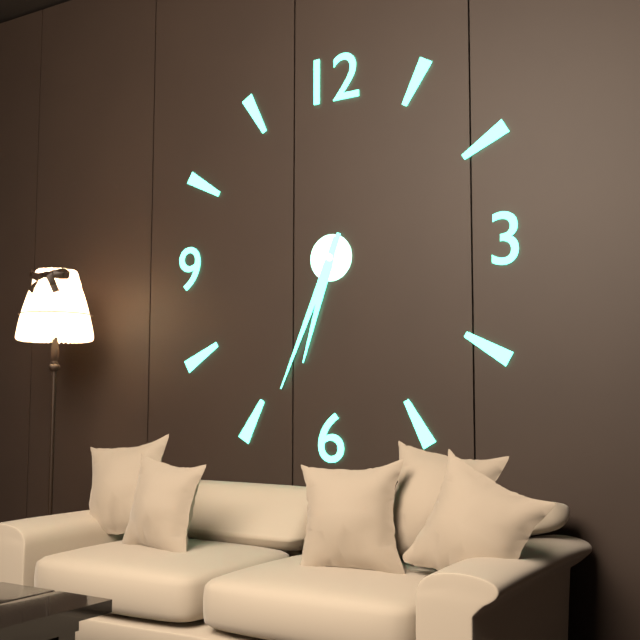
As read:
{"hour": 6, "minute": 34}
